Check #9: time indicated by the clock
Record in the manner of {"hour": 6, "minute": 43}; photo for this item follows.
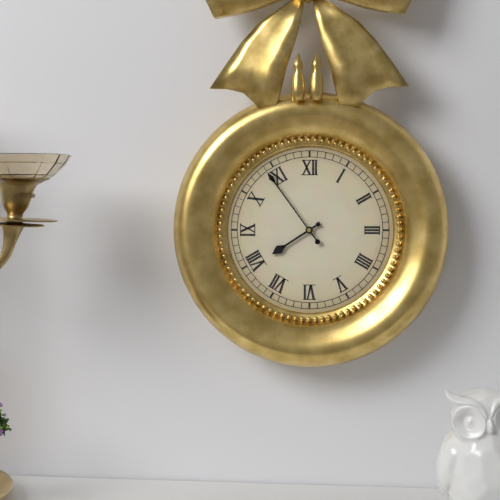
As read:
{"hour": 7, "minute": 54}
